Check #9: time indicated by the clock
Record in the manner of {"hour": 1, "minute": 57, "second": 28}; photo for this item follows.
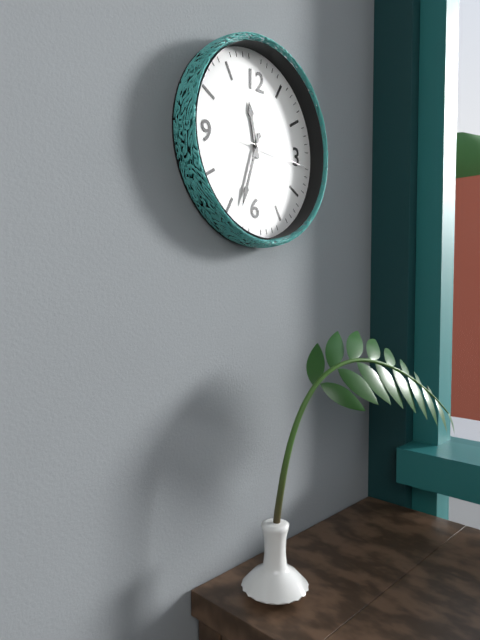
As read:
{"hour": 11, "minute": 33, "second": 16}
